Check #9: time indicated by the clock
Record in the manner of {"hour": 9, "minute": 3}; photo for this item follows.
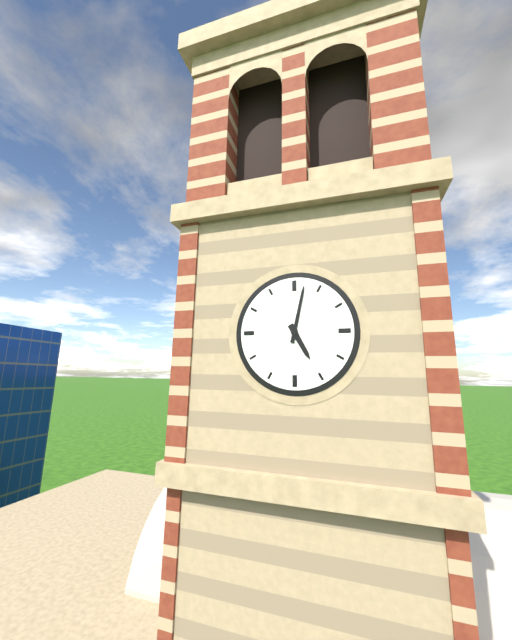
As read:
{"hour": 5, "minute": 2}
